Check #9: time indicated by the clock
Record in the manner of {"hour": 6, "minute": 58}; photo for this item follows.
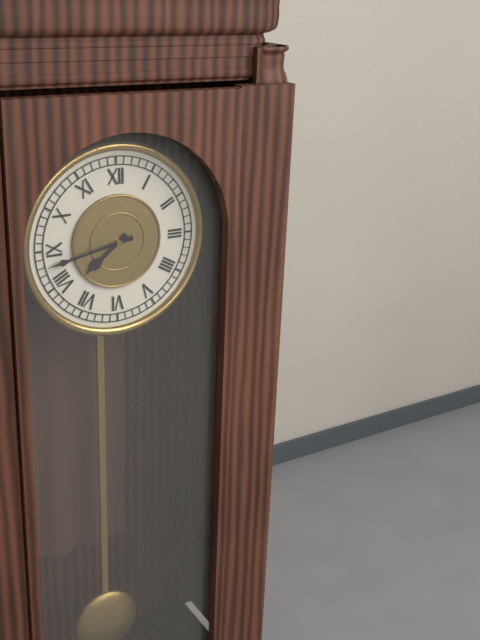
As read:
{"hour": 7, "minute": 43}
